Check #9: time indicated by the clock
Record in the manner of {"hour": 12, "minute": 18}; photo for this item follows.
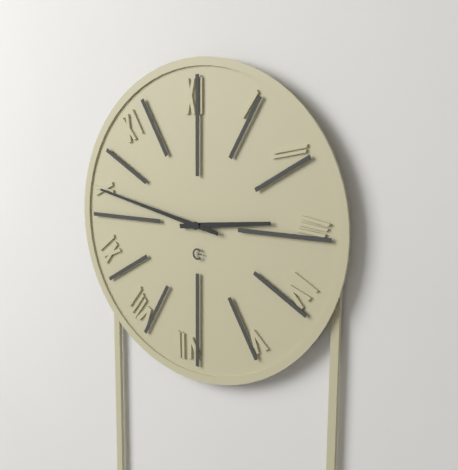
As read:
{"hour": 2, "minute": 47}
